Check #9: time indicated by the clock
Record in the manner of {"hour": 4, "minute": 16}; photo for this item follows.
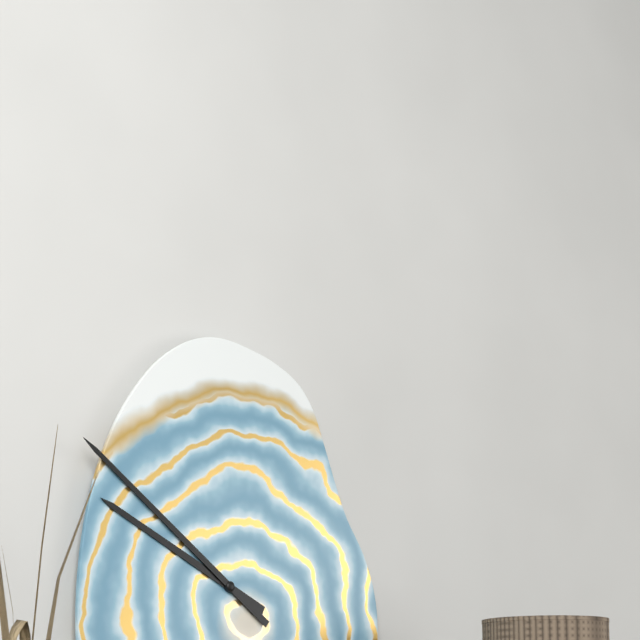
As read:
{"hour": 9, "minute": 51}
